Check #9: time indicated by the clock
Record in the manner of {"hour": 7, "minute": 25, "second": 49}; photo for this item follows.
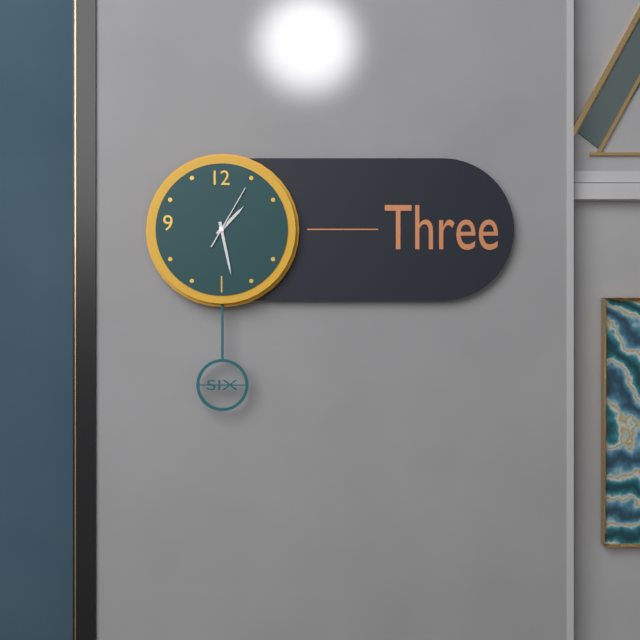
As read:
{"hour": 1, "minute": 28, "second": 5}
